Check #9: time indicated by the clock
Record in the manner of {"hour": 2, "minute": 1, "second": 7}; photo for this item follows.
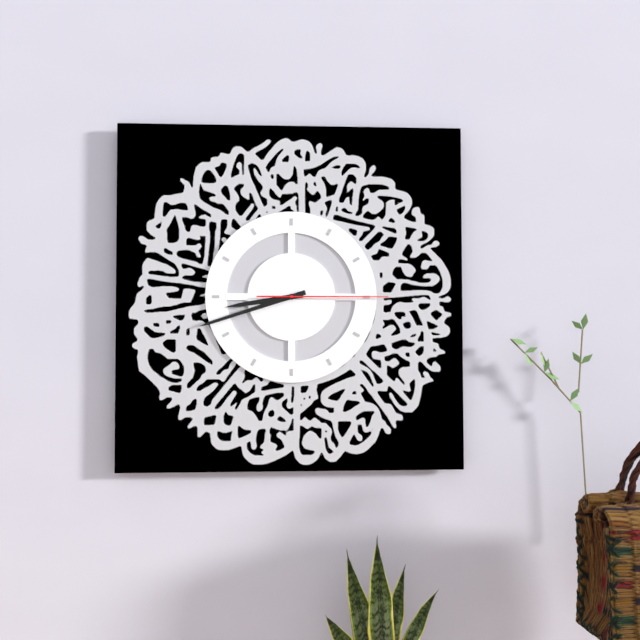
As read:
{"hour": 8, "minute": 42, "second": 15}
